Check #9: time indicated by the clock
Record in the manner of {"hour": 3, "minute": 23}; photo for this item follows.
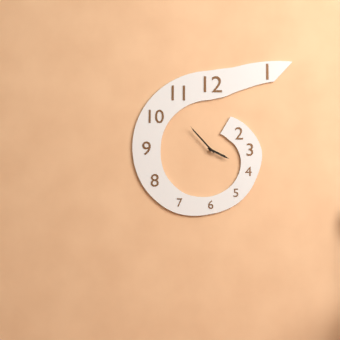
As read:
{"hour": 3, "minute": 53}
